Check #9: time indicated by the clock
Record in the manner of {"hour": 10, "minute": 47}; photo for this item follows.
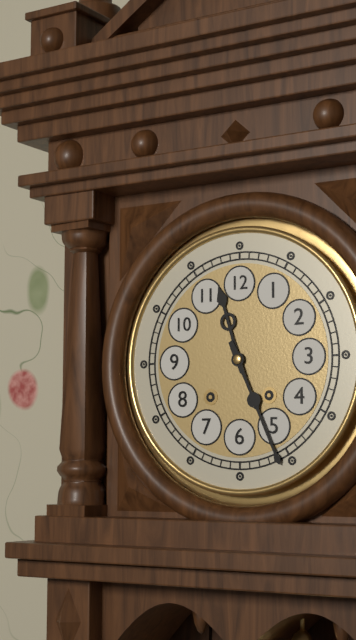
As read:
{"hour": 11, "minute": 26}
